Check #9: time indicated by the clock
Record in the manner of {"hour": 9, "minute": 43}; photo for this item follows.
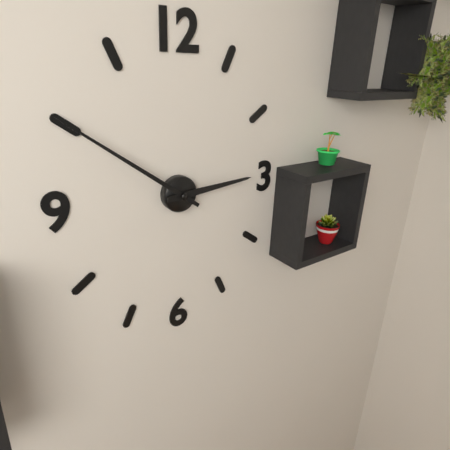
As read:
{"hour": 2, "minute": 51}
